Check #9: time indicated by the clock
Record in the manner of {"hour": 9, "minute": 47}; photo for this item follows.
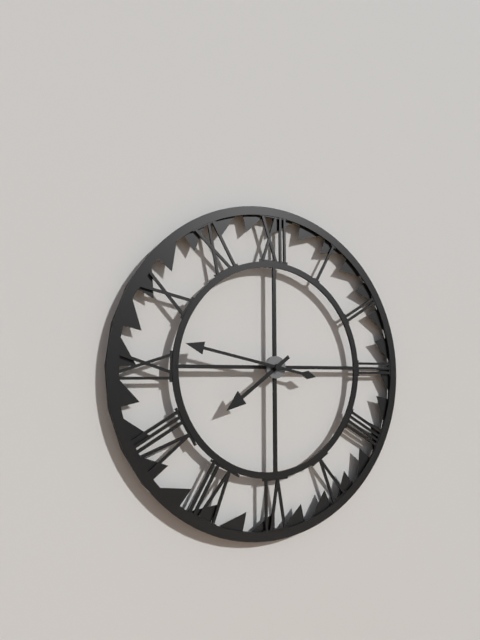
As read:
{"hour": 7, "minute": 47}
